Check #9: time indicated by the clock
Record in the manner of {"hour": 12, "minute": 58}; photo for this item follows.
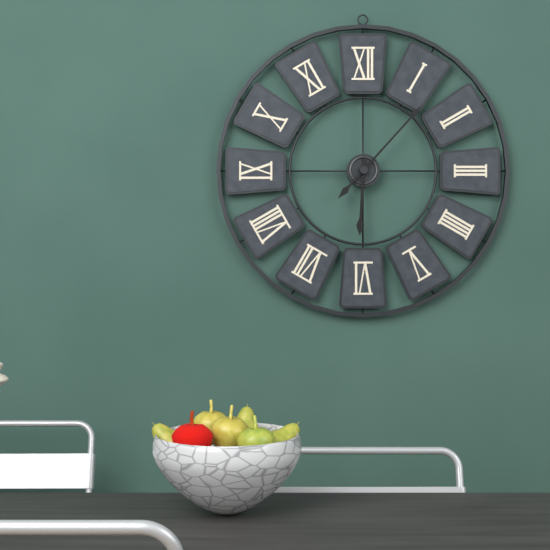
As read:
{"hour": 6, "minute": 7}
